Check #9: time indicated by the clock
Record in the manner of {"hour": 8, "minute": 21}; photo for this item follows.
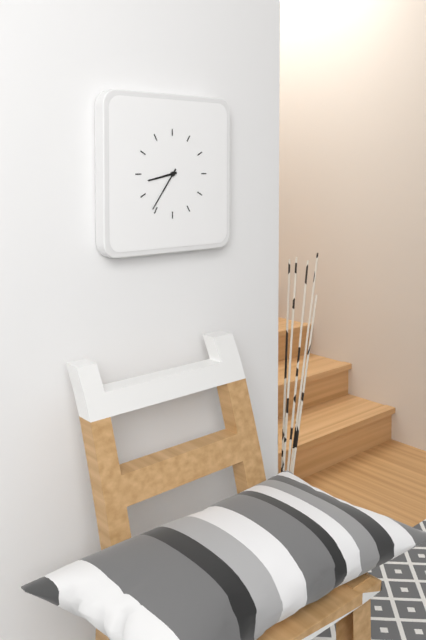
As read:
{"hour": 8, "minute": 36}
